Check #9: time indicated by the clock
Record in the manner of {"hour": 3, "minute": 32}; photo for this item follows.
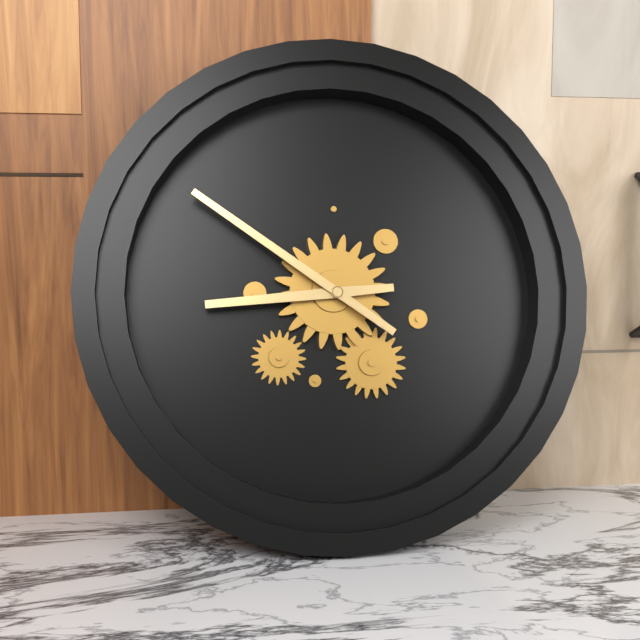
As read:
{"hour": 8, "minute": 51}
